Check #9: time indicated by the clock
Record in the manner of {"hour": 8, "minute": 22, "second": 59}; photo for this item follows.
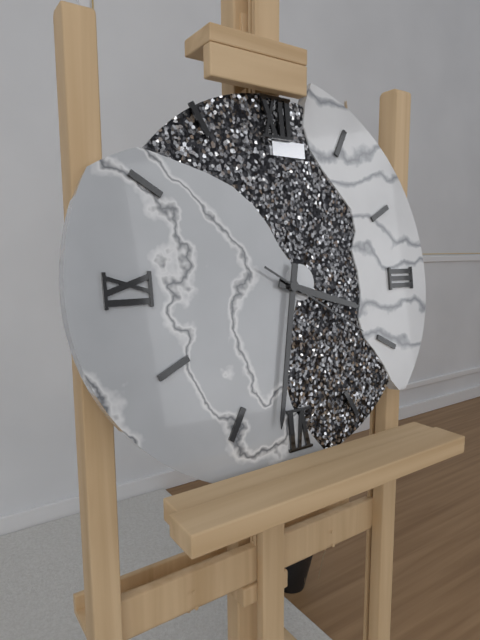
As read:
{"hour": 3, "minute": 32, "second": 20}
